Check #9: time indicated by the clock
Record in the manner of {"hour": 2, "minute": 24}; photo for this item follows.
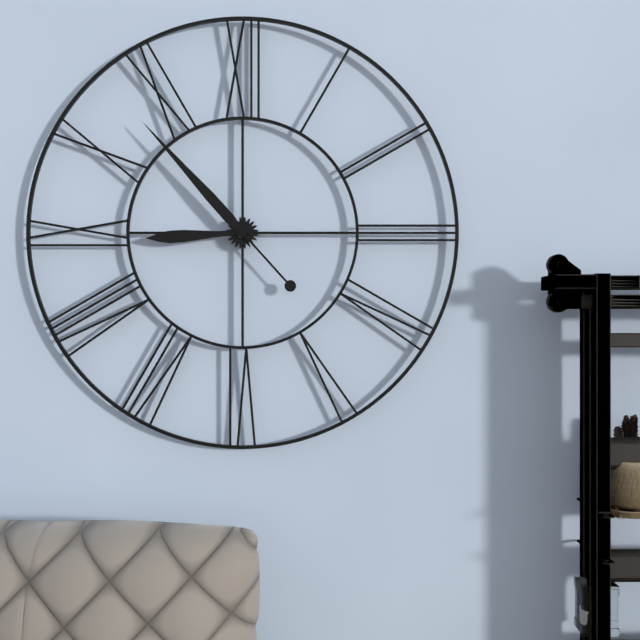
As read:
{"hour": 8, "minute": 53}
